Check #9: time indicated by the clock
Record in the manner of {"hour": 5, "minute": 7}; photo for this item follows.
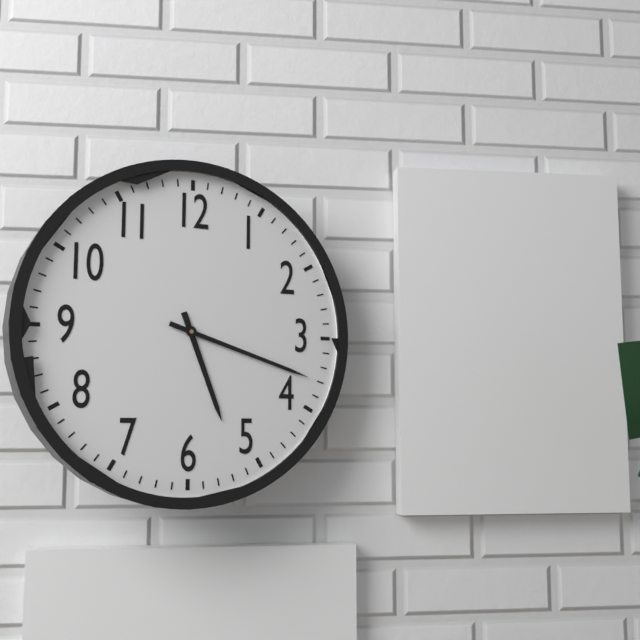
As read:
{"hour": 5, "minute": 18}
